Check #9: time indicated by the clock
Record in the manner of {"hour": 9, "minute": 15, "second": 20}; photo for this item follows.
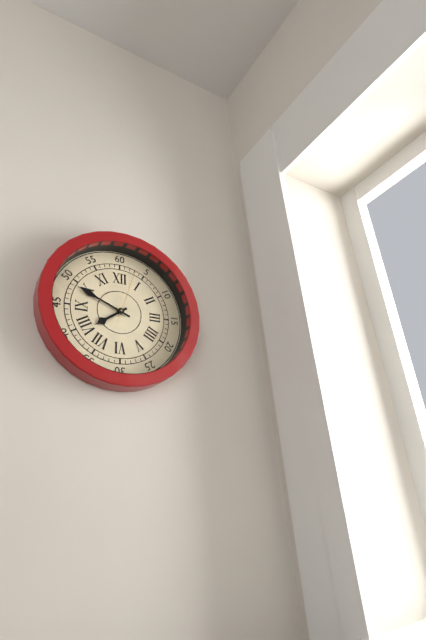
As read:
{"hour": 7, "minute": 49, "second": 3}
